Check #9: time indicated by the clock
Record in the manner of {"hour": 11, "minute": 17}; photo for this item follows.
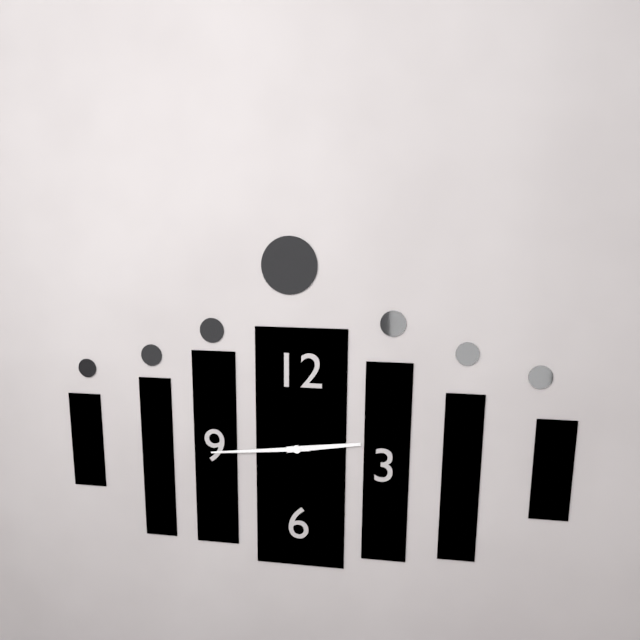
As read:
{"hour": 2, "minute": 44}
